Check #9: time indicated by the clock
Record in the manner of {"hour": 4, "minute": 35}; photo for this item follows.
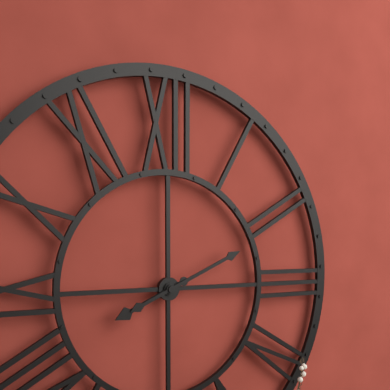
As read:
{"hour": 8, "minute": 11}
